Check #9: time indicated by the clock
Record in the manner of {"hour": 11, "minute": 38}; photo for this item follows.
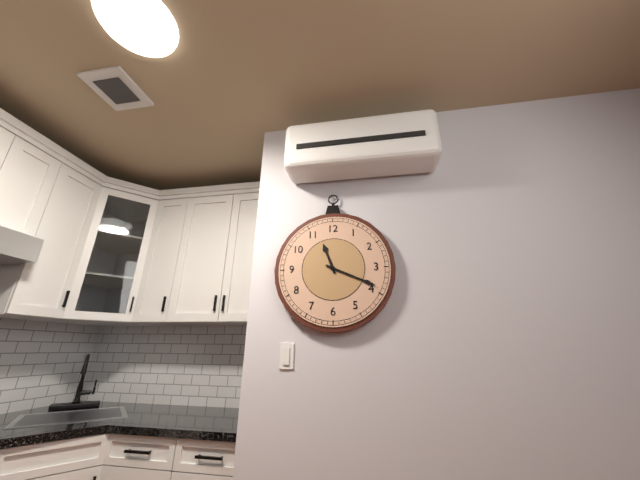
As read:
{"hour": 11, "minute": 19}
